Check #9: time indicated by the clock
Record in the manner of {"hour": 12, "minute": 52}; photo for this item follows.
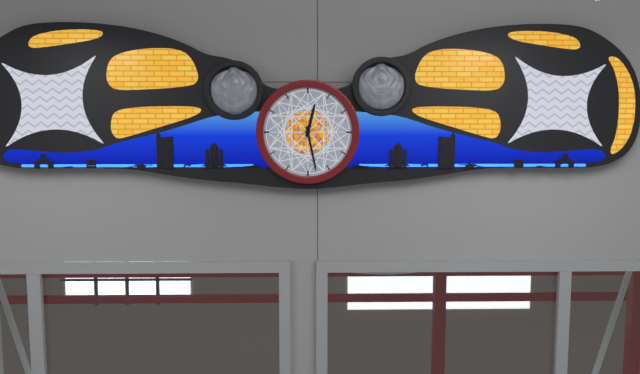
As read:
{"hour": 12, "minute": 28}
